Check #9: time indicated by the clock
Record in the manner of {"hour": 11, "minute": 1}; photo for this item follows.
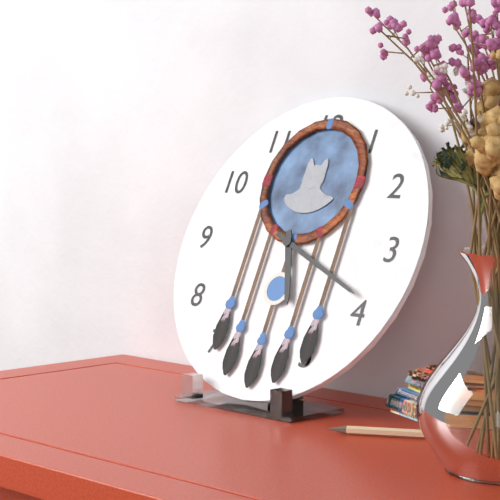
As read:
{"hour": 5, "minute": 19}
